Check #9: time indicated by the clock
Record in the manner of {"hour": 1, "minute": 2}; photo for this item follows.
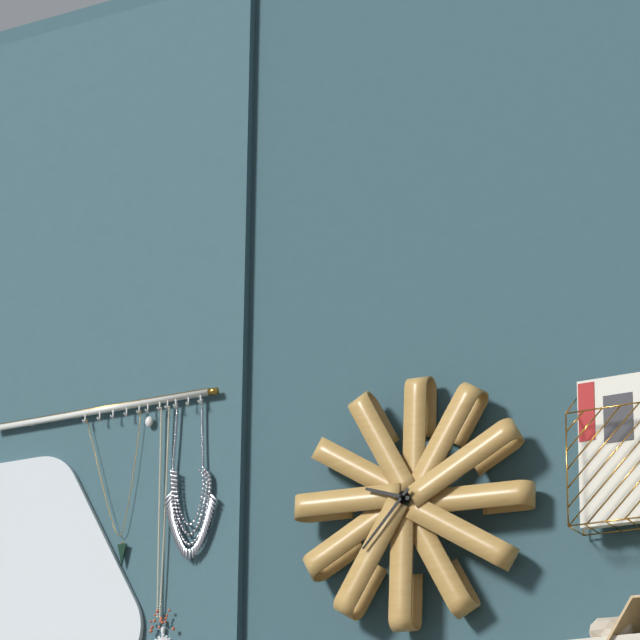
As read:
{"hour": 9, "minute": 37}
